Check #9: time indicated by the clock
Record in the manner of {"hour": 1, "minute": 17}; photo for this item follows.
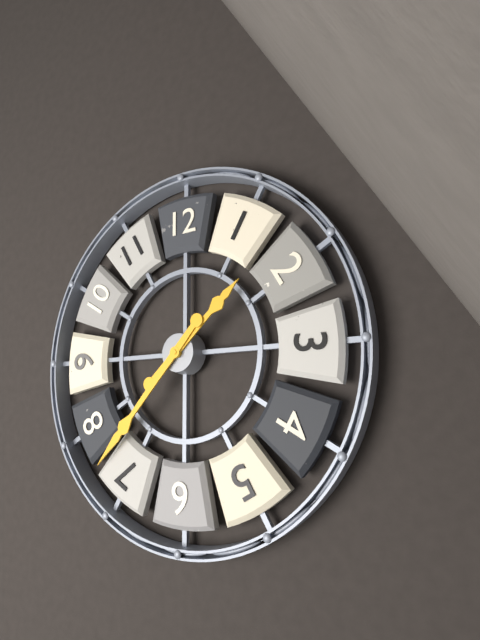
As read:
{"hour": 1, "minute": 37}
